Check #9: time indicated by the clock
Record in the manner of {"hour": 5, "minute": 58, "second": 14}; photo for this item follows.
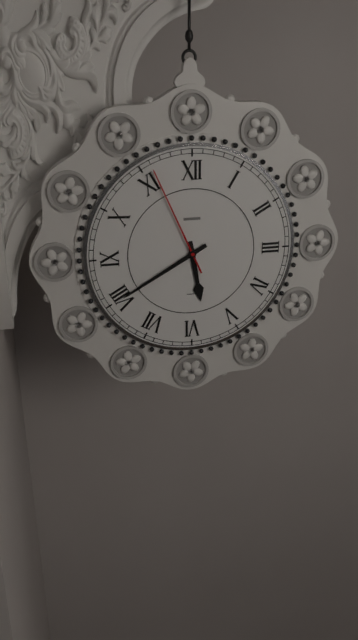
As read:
{"hour": 5, "minute": 40, "second": 56}
